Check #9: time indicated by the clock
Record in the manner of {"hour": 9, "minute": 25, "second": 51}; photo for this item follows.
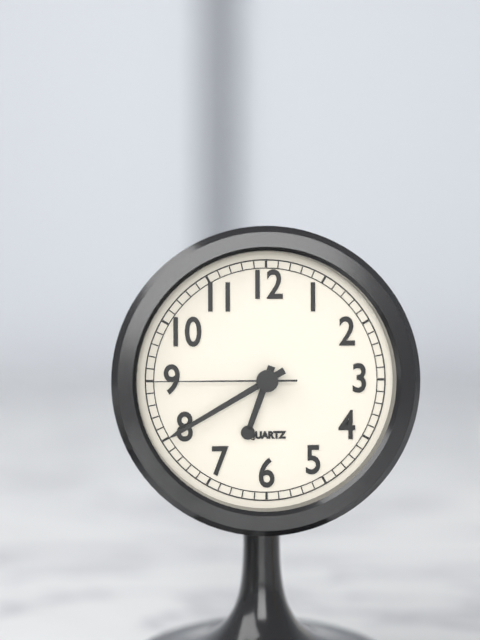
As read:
{"hour": 6, "minute": 40, "second": 45}
